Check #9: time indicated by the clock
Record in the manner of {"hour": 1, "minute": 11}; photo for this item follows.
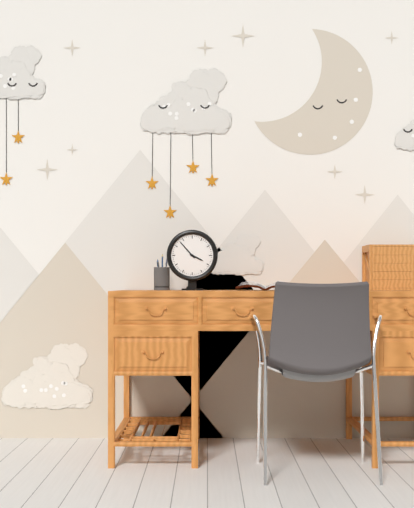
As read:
{"hour": 3, "minute": 53}
